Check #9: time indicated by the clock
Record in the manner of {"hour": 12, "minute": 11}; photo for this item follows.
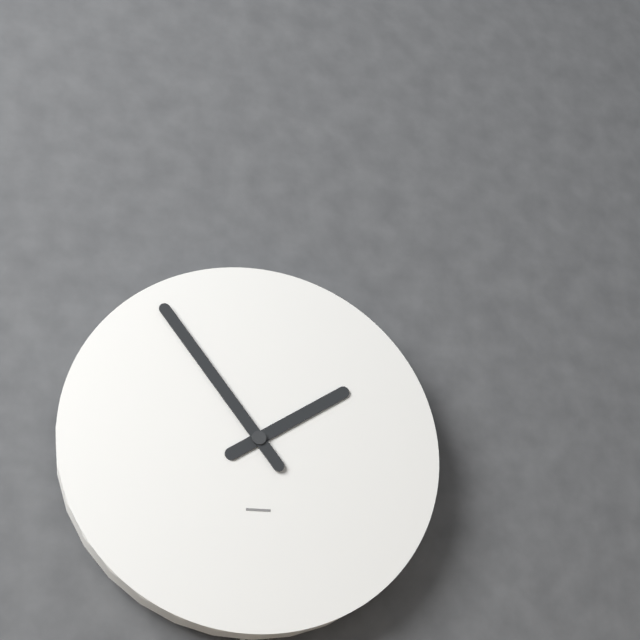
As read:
{"hour": 1, "minute": 54}
